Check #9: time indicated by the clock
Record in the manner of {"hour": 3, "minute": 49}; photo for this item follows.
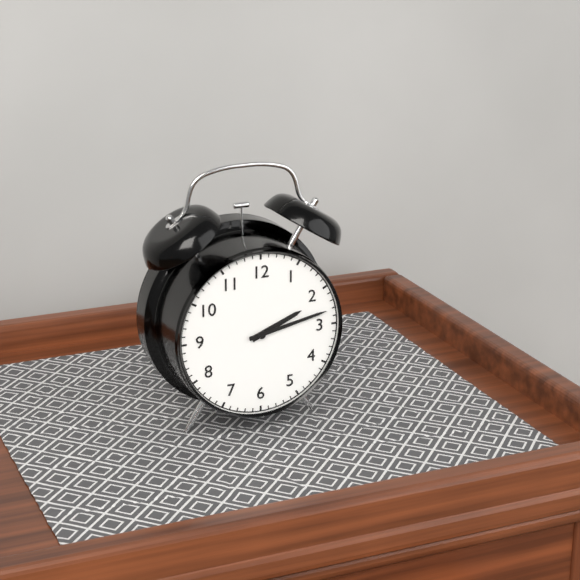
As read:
{"hour": 2, "minute": 13}
